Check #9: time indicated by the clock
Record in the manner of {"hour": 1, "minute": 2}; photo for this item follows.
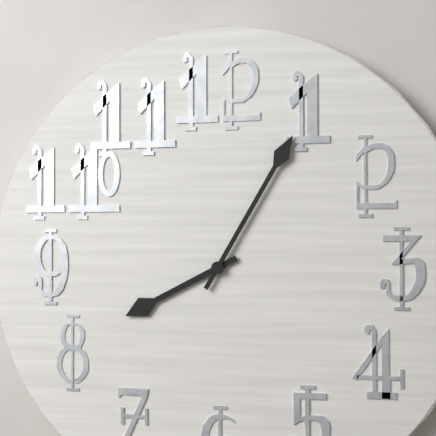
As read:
{"hour": 8, "minute": 5}
